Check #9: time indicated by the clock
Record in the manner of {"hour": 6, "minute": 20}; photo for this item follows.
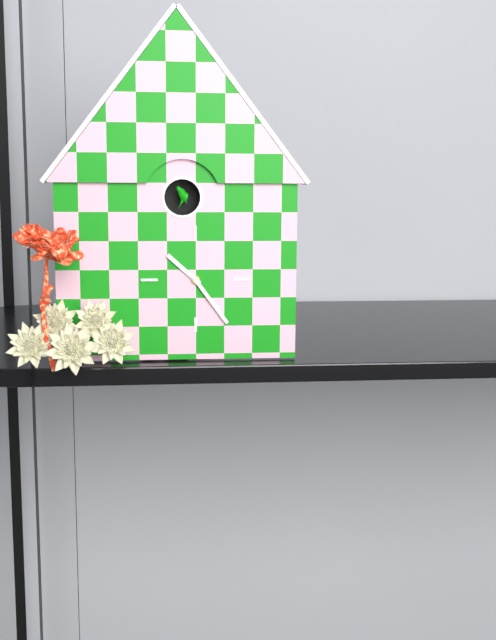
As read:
{"hour": 10, "minute": 24}
